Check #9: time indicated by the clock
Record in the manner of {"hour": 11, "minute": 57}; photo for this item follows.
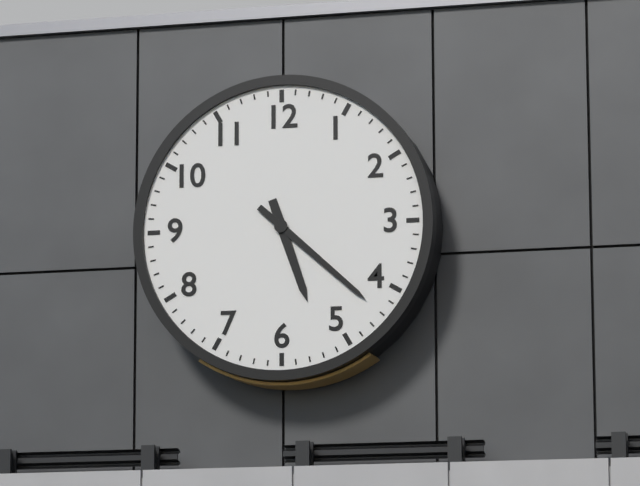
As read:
{"hour": 5, "minute": 22}
